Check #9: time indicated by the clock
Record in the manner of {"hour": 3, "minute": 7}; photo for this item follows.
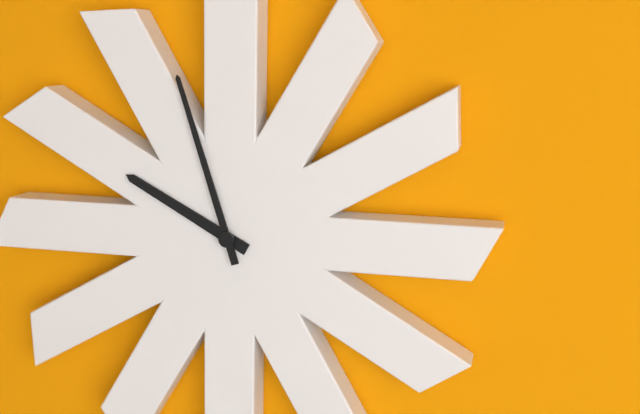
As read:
{"hour": 9, "minute": 57}
